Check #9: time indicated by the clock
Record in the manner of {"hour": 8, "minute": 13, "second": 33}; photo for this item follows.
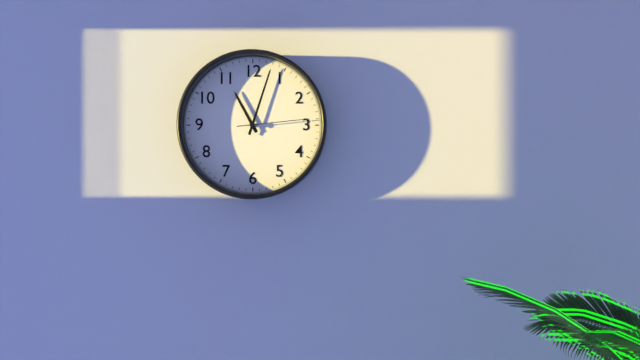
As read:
{"hour": 11, "minute": 3, "second": 14}
